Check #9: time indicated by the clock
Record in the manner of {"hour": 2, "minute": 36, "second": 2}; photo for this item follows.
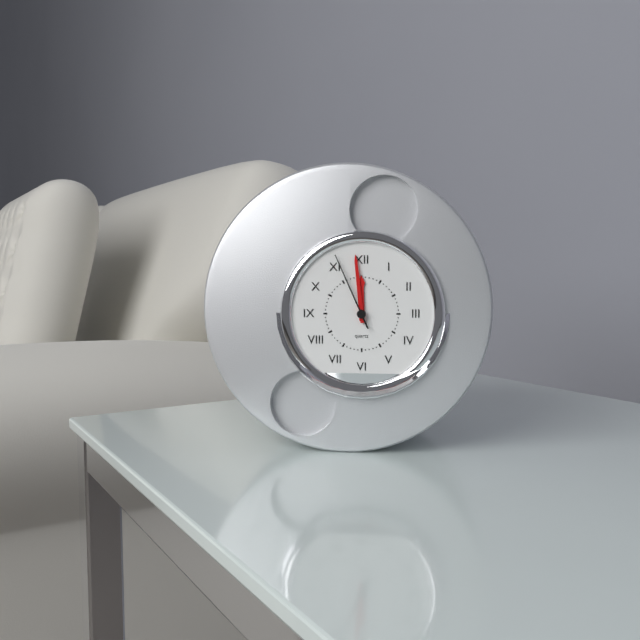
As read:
{"hour": 11, "minute": 59, "second": 56}
